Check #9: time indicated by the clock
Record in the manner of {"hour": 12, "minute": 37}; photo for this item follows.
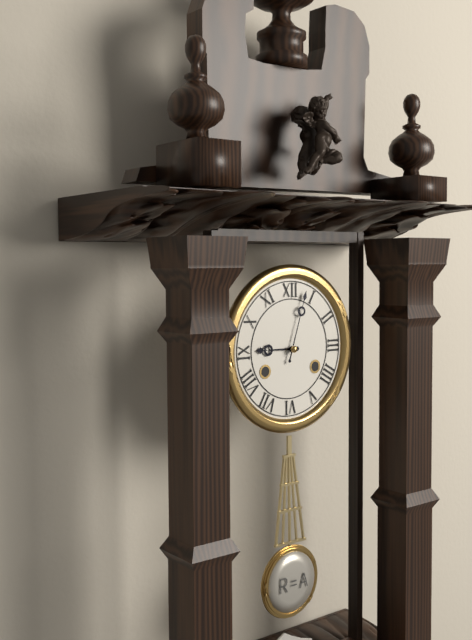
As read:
{"hour": 9, "minute": 3}
